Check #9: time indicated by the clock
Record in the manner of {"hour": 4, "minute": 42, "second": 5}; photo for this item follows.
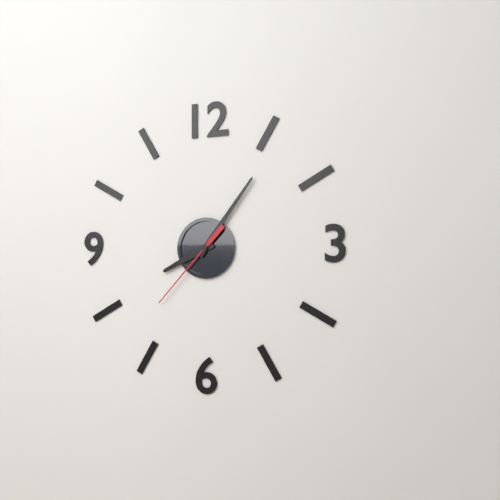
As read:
{"hour": 8, "minute": 6, "second": 37}
